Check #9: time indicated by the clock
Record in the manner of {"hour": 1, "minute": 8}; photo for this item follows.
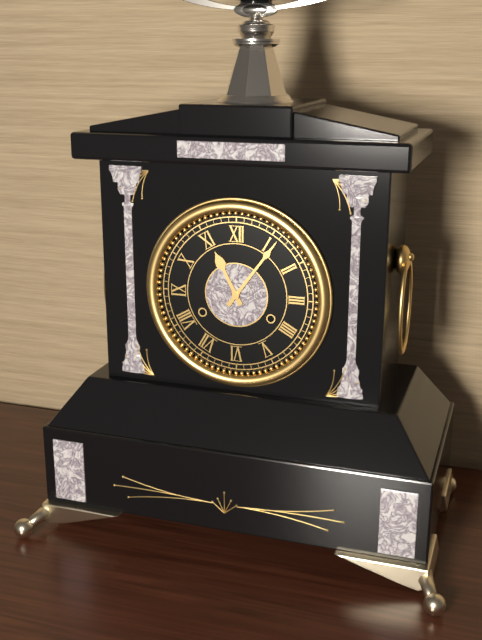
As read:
{"hour": 11, "minute": 6}
